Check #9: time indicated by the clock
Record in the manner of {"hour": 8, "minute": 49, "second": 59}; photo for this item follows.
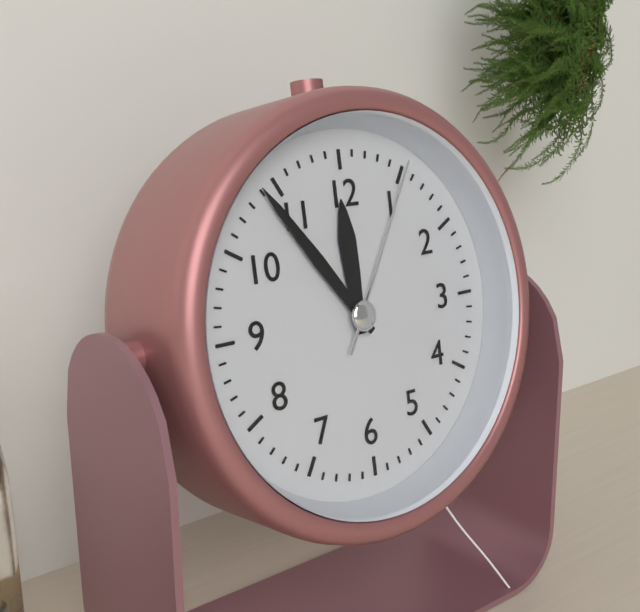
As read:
{"hour": 11, "minute": 54, "second": 5}
